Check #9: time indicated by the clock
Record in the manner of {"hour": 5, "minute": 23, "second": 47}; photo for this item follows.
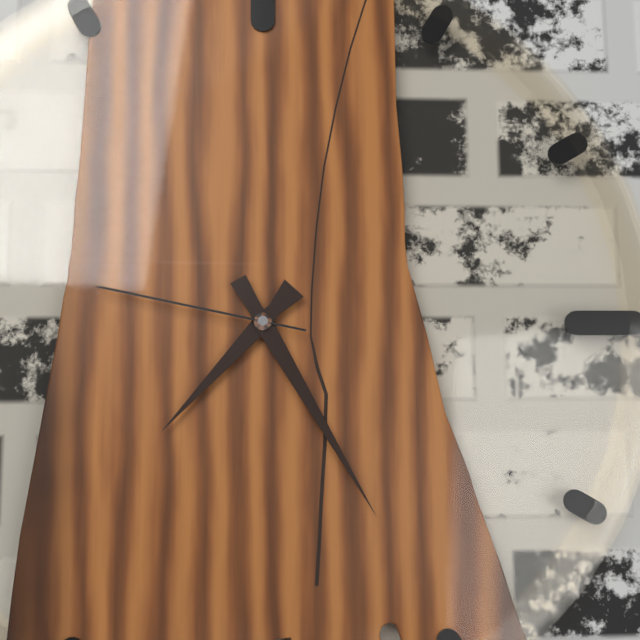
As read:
{"hour": 7, "minute": 25, "second": 47}
